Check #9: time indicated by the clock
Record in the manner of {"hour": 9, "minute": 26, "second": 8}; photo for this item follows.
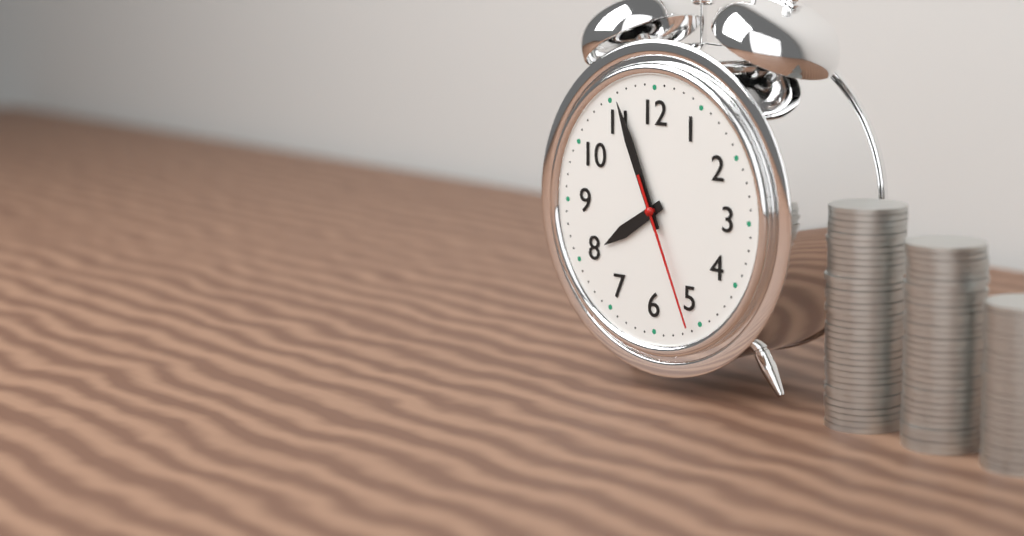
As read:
{"hour": 7, "minute": 56, "second": 26}
